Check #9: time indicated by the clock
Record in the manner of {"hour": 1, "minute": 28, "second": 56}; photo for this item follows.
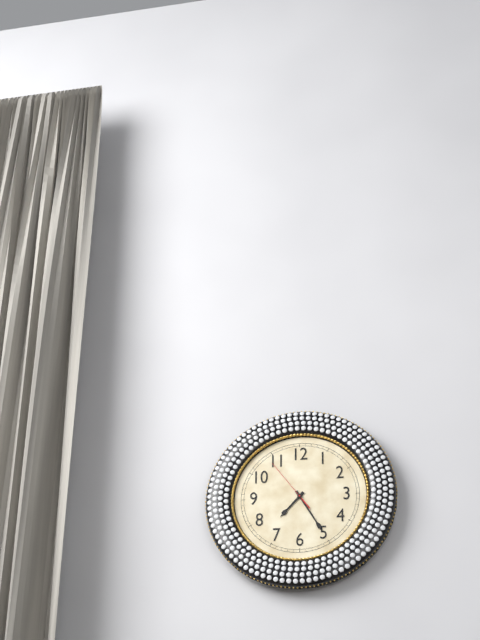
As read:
{"hour": 7, "minute": 25, "second": 54}
